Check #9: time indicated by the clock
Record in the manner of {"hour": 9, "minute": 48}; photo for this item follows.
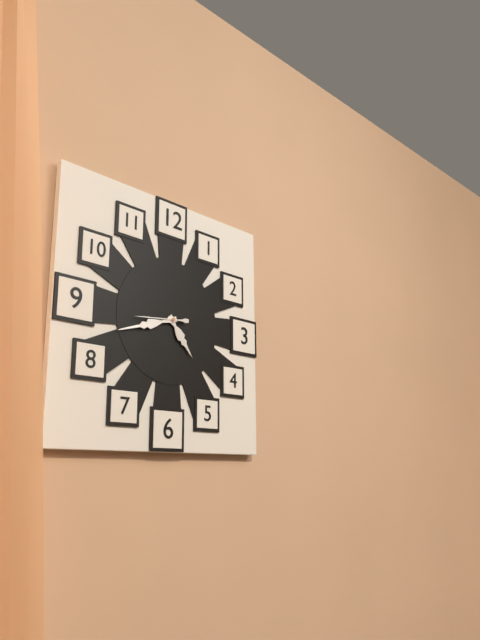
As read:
{"hour": 4, "minute": 42}
